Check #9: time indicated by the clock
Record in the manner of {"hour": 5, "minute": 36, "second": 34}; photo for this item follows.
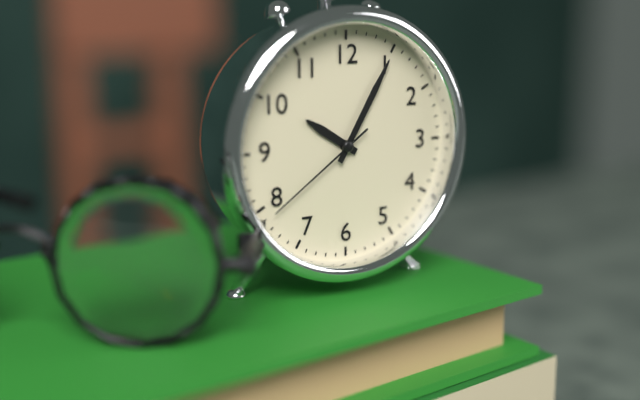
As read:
{"hour": 10, "minute": 5, "second": 39}
